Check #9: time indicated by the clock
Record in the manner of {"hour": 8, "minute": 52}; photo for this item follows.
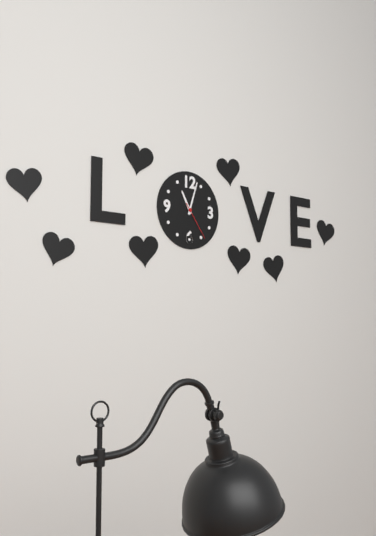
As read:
{"hour": 11, "minute": 3}
